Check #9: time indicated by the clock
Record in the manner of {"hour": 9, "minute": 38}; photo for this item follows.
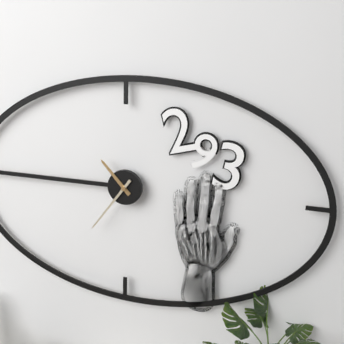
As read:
{"hour": 10, "minute": 36}
